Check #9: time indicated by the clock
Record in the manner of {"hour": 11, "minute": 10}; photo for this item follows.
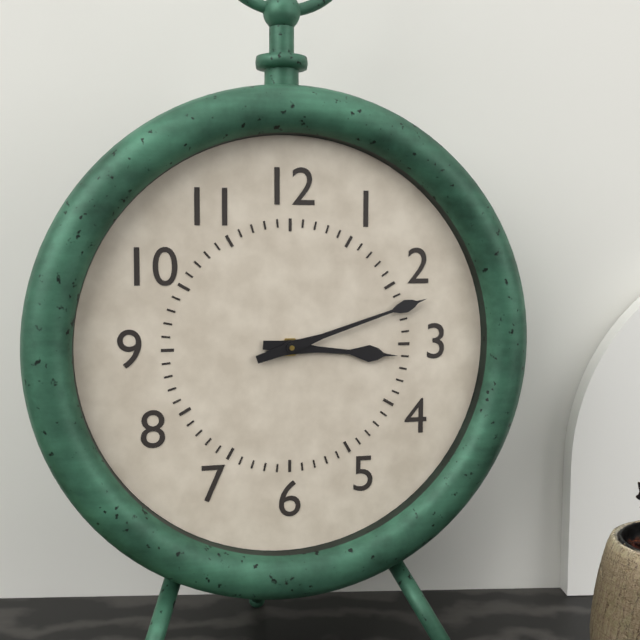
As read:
{"hour": 3, "minute": 12}
